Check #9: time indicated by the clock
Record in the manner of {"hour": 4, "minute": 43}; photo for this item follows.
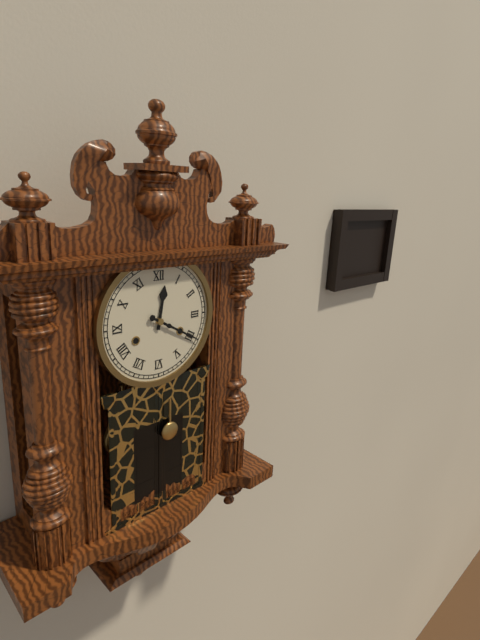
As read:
{"hour": 12, "minute": 20}
